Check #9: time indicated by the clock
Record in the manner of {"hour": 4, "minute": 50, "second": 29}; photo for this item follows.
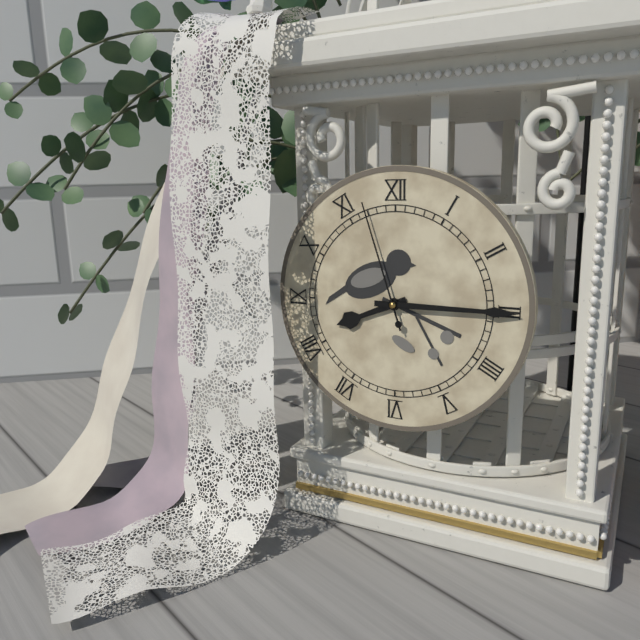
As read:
{"hour": 8, "minute": 15, "second": 57}
